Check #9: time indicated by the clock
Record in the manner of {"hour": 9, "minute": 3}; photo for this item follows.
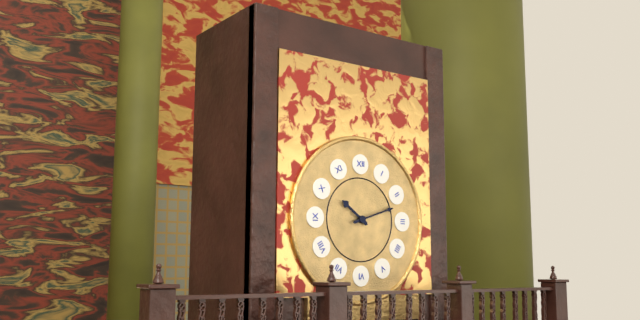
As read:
{"hour": 10, "minute": 12}
